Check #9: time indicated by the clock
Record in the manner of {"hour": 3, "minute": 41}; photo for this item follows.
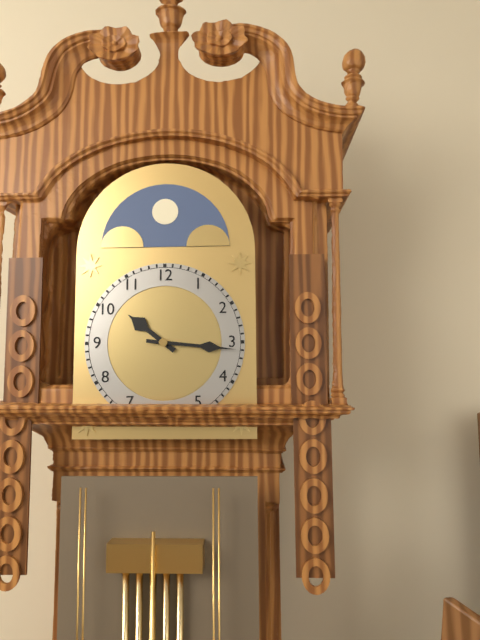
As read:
{"hour": 10, "minute": 16}
